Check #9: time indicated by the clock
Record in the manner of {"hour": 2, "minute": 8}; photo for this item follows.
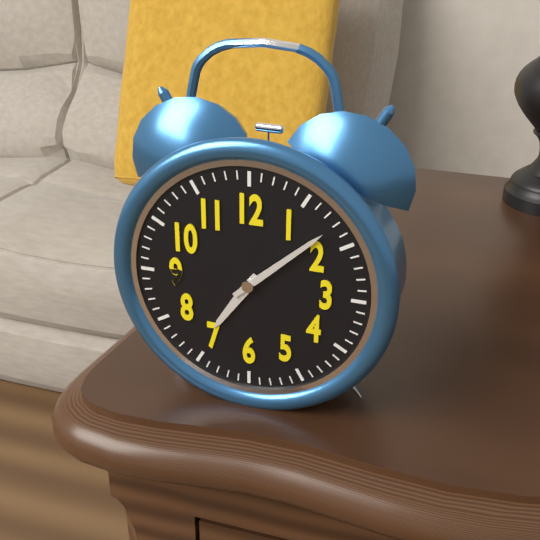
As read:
{"hour": 7, "minute": 8}
